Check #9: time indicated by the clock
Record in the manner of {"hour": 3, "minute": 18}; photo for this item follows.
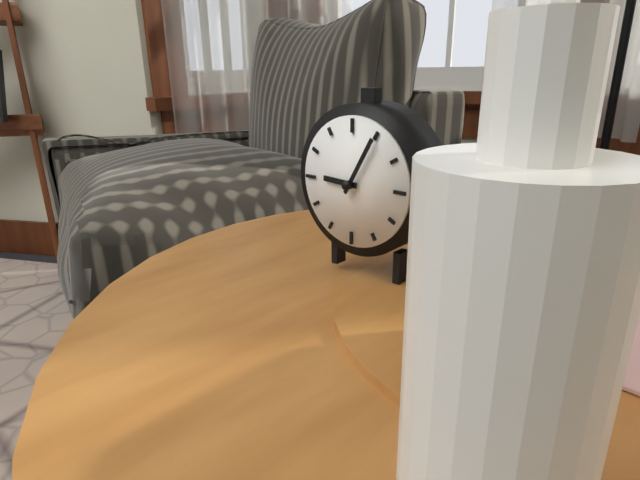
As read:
{"hour": 9, "minute": 5}
